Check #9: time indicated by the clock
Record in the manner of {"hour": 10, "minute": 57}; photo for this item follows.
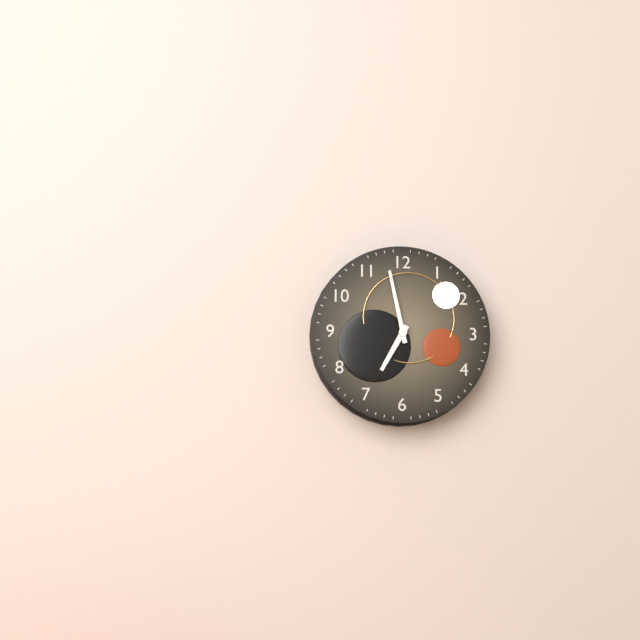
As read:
{"hour": 6, "minute": 58}
